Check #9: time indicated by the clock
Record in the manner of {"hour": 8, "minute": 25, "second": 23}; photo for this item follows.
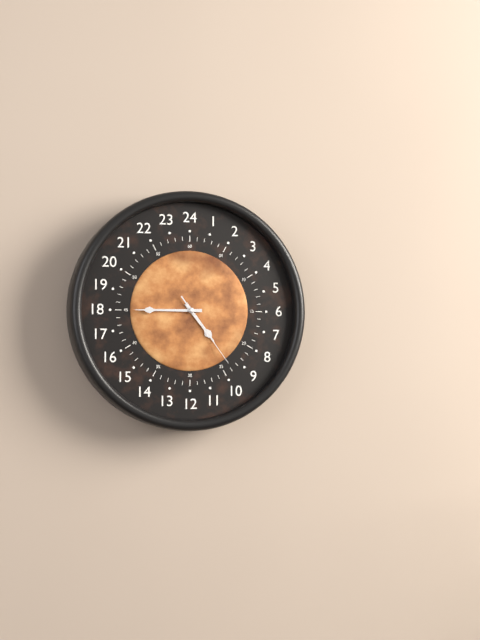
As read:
{"hour": 4, "minute": 45, "second": 24}
